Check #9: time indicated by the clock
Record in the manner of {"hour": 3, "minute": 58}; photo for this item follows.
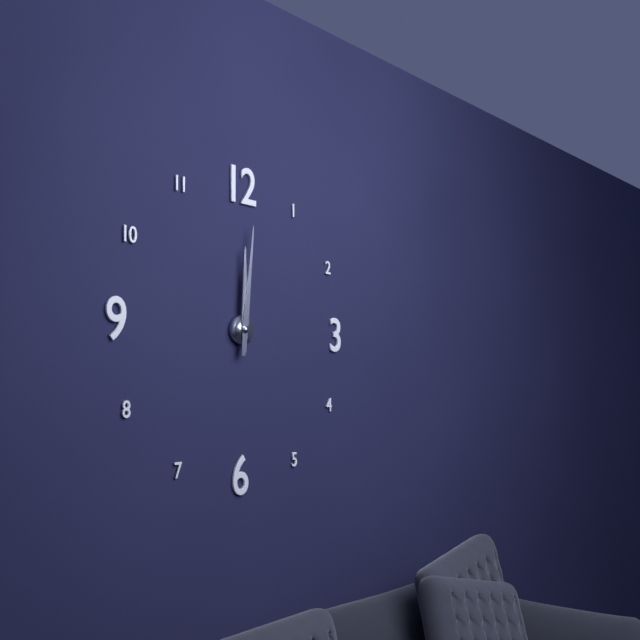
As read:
{"hour": 12, "minute": 1}
